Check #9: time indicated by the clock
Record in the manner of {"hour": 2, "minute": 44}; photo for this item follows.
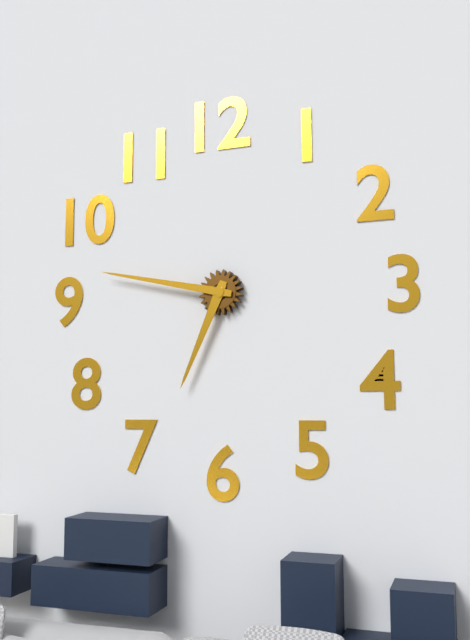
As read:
{"hour": 6, "minute": 47}
